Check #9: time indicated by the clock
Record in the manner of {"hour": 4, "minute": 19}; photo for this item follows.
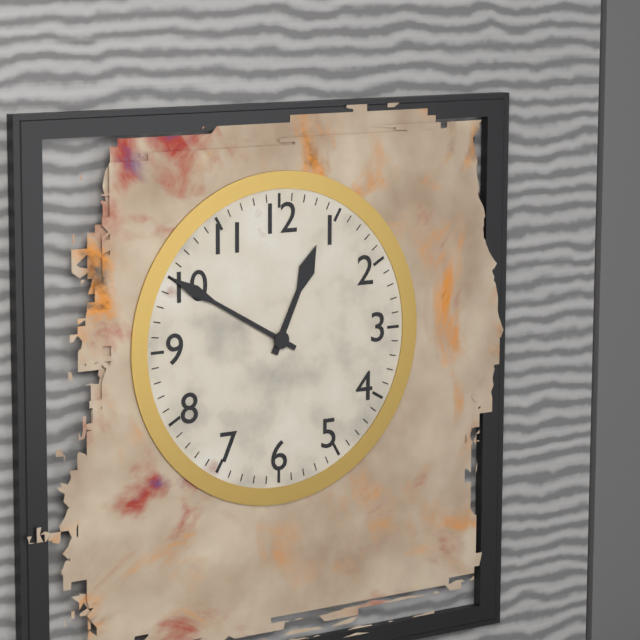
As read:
{"hour": 12, "minute": 50}
